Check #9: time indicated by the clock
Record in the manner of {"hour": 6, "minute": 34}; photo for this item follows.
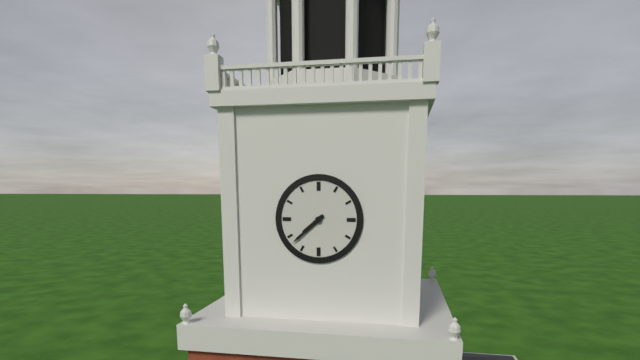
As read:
{"hour": 7, "minute": 38}
